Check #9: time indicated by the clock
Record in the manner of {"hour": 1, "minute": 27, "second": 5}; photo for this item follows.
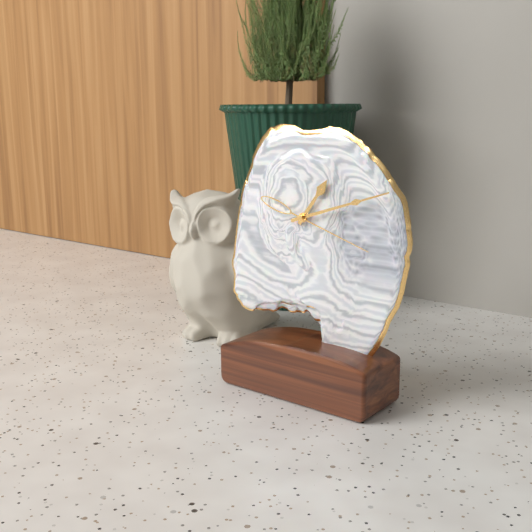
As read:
{"hour": 1, "minute": 12, "second": 18}
